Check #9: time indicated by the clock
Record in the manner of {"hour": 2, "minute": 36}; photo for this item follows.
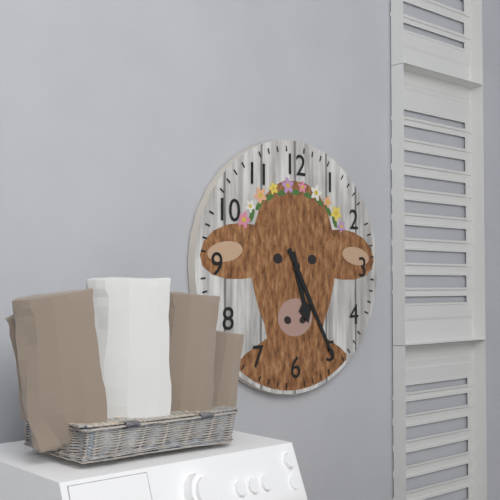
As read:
{"hour": 5, "minute": 25}
